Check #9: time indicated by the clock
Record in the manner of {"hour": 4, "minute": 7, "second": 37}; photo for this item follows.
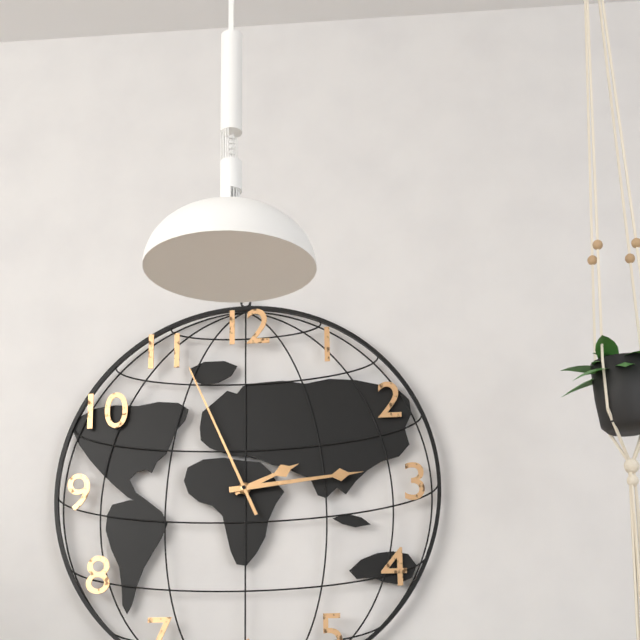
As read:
{"hour": 2, "minute": 14, "second": 56}
